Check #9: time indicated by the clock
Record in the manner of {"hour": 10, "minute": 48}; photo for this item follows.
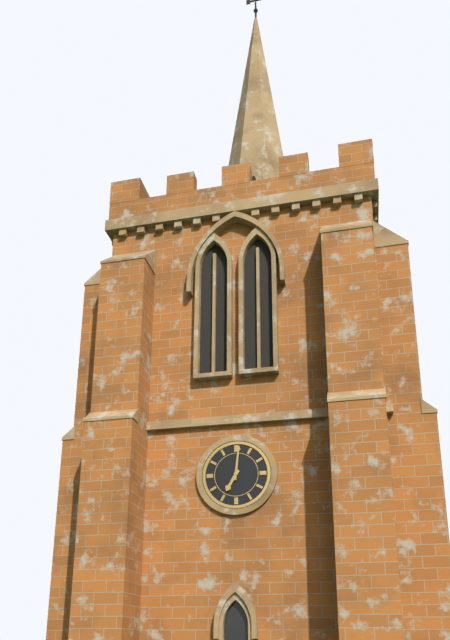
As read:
{"hour": 7, "minute": 1}
